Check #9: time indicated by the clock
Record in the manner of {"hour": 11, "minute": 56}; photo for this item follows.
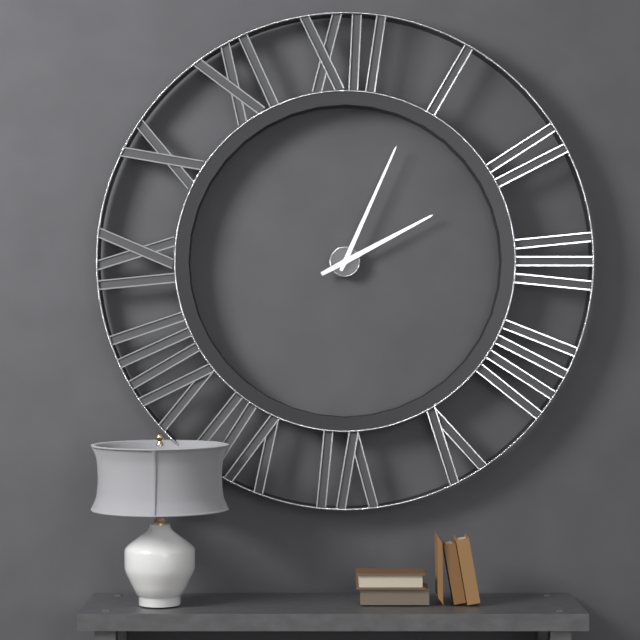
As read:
{"hour": 2, "minute": 4}
